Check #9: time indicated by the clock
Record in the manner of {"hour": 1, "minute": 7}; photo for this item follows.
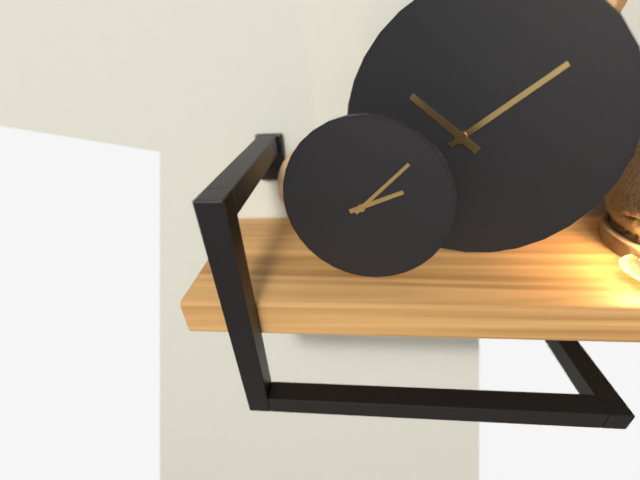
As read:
{"hour": 2, "minute": 7}
